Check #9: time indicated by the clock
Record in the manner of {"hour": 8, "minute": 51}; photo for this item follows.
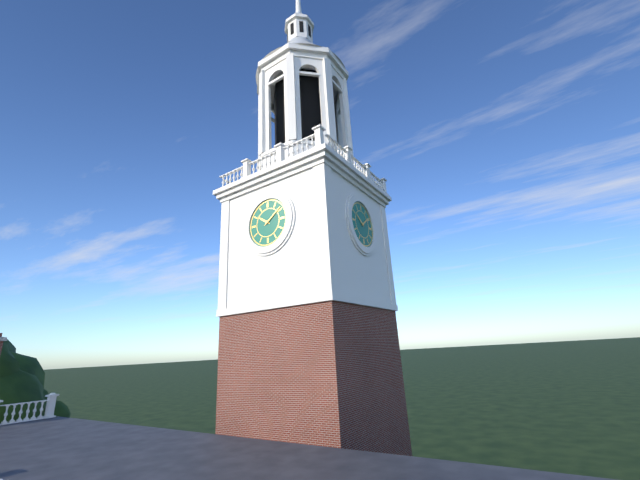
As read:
{"hour": 10, "minute": 9}
